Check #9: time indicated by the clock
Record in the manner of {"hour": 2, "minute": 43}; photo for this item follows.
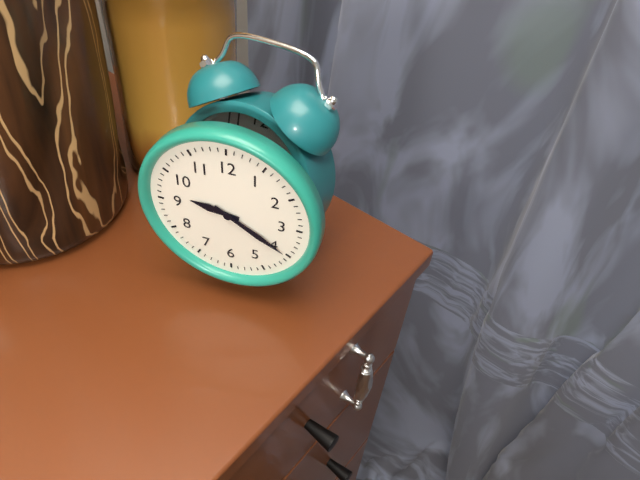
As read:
{"hour": 9, "minute": 20}
